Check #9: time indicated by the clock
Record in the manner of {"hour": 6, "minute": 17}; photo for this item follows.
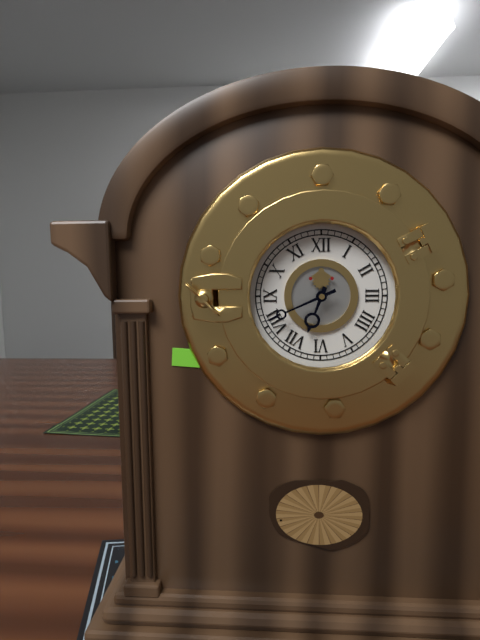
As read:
{"hour": 6, "minute": 41}
